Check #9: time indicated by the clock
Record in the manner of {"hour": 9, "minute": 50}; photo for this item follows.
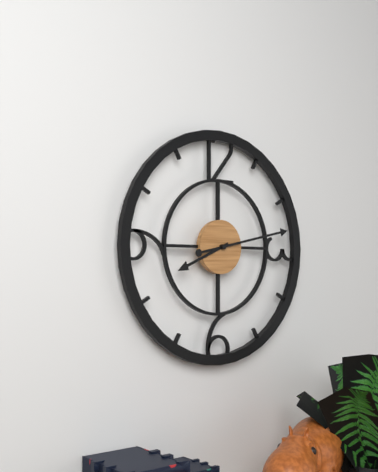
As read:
{"hour": 8, "minute": 13}
